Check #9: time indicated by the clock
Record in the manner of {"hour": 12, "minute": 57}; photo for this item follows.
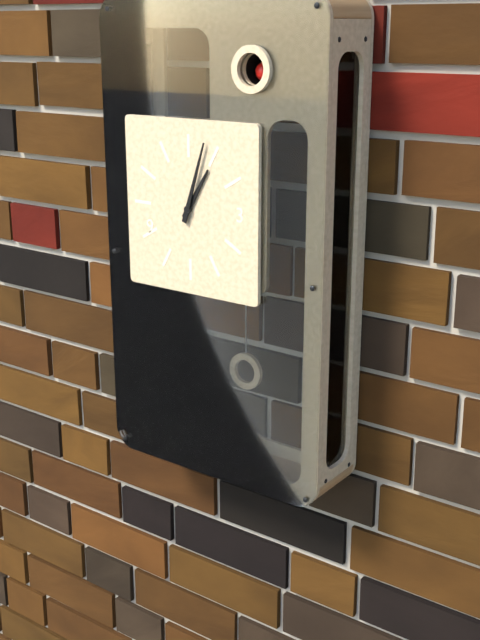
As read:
{"hour": 1, "minute": 3}
